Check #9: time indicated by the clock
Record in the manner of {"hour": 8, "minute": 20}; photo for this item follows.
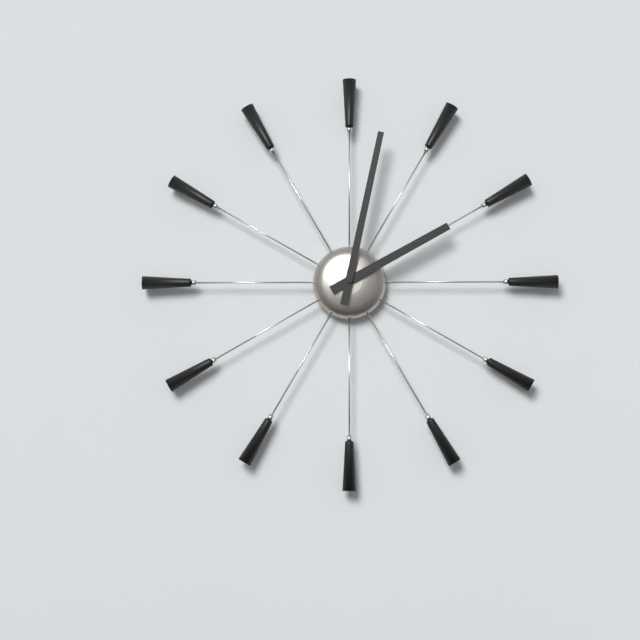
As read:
{"hour": 2, "minute": 2}
